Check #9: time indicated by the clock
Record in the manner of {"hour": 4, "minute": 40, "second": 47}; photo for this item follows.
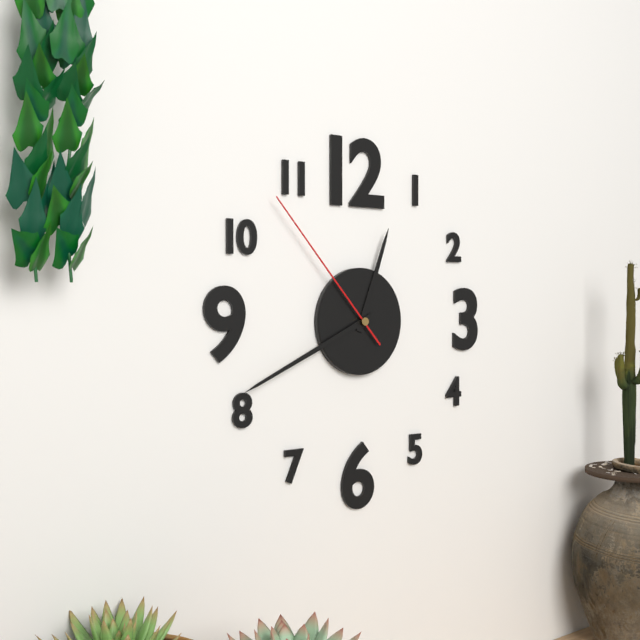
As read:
{"hour": 12, "minute": 41, "second": 53}
